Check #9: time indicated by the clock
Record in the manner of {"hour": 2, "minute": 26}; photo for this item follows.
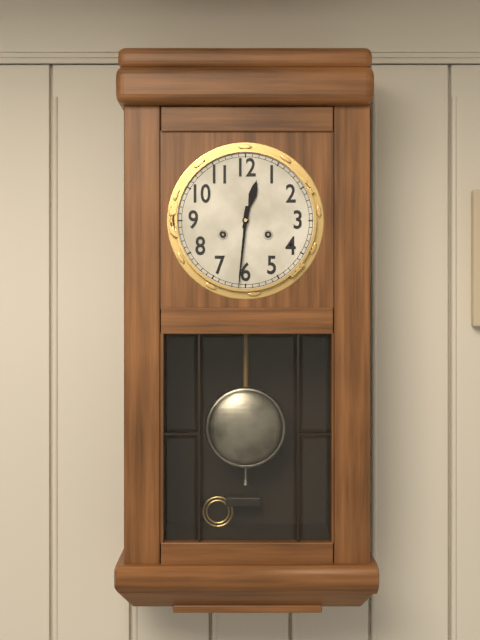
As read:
{"hour": 12, "minute": 31}
